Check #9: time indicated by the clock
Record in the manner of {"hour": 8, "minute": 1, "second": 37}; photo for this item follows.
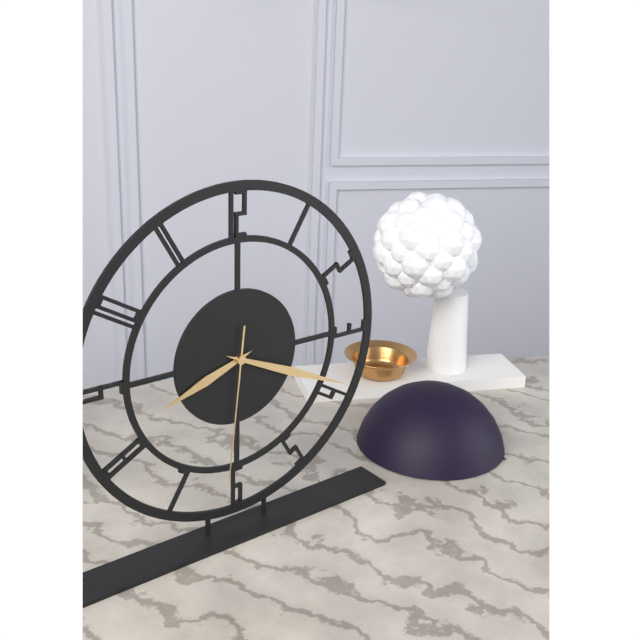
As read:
{"hour": 8, "minute": 19, "second": 31}
